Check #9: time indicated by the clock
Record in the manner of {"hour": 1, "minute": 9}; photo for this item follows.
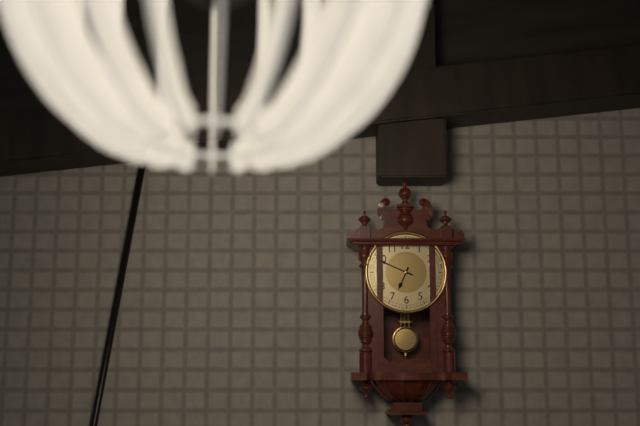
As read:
{"hour": 6, "minute": 49}
